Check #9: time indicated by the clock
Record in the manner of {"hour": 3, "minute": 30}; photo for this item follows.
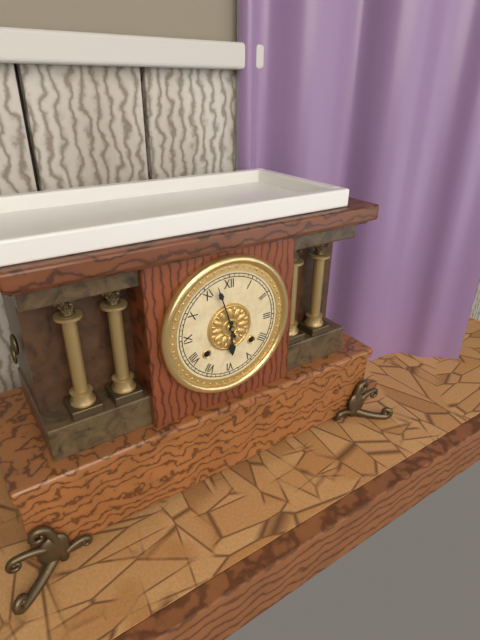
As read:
{"hour": 5, "minute": 57}
